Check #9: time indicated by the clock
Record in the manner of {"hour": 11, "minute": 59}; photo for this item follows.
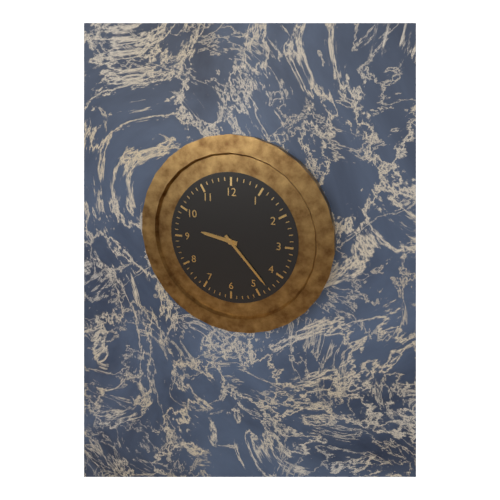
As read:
{"hour": 9, "minute": 23}
